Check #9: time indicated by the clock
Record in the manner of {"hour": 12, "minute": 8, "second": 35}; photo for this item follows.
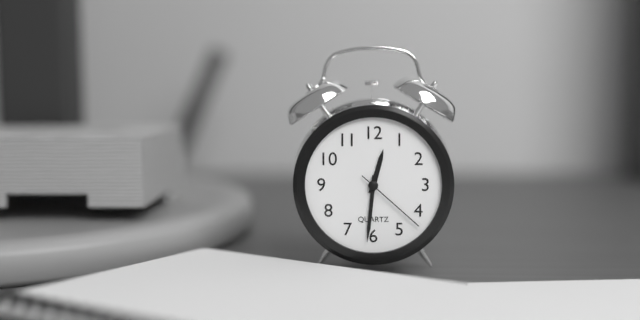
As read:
{"hour": 12, "minute": 31, "second": 22}
